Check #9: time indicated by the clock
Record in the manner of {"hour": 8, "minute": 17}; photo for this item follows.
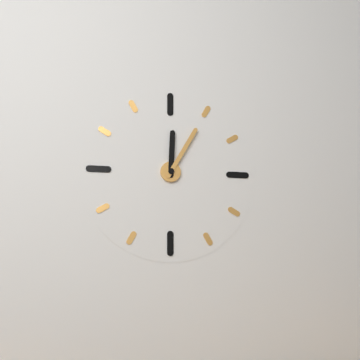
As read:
{"hour": 12, "minute": 5}
